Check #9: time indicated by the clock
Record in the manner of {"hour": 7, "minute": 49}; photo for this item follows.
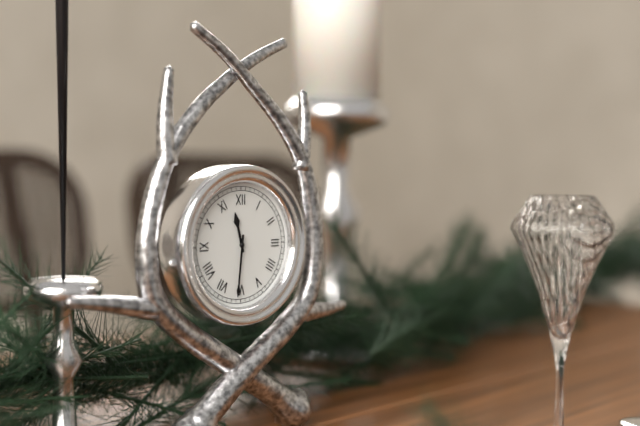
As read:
{"hour": 11, "minute": 31}
